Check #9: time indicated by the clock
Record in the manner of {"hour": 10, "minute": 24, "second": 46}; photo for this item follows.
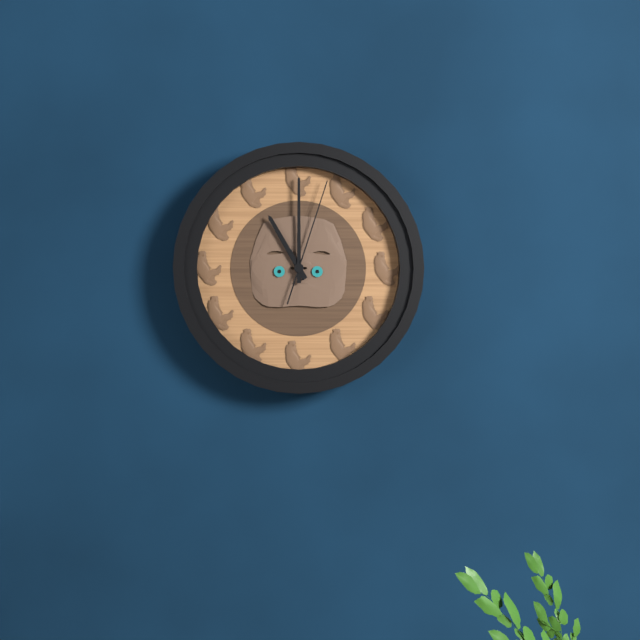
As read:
{"hour": 11, "minute": 0, "second": 3}
